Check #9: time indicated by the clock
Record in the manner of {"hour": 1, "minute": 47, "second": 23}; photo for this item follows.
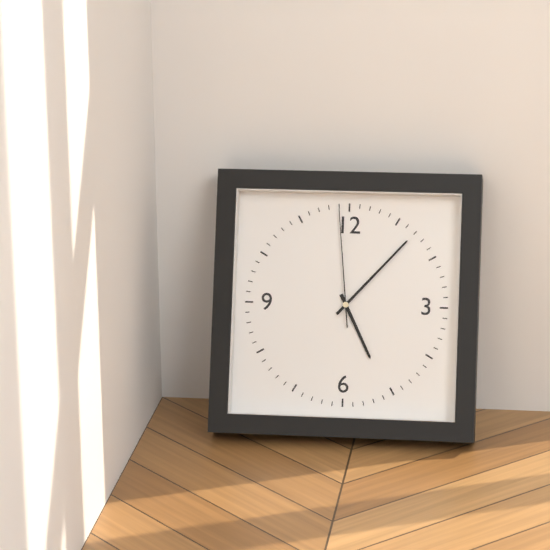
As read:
{"hour": 5, "minute": 7, "second": 59}
